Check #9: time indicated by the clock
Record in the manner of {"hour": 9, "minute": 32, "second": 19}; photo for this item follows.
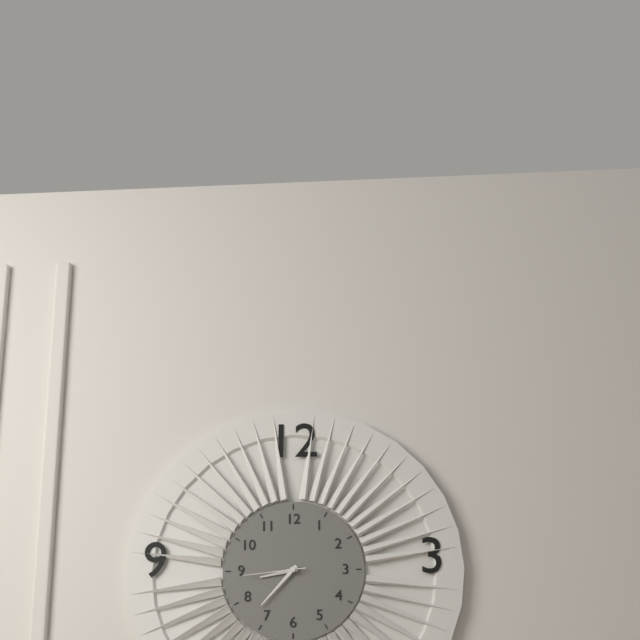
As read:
{"hour": 8, "minute": 37, "second": 44}
